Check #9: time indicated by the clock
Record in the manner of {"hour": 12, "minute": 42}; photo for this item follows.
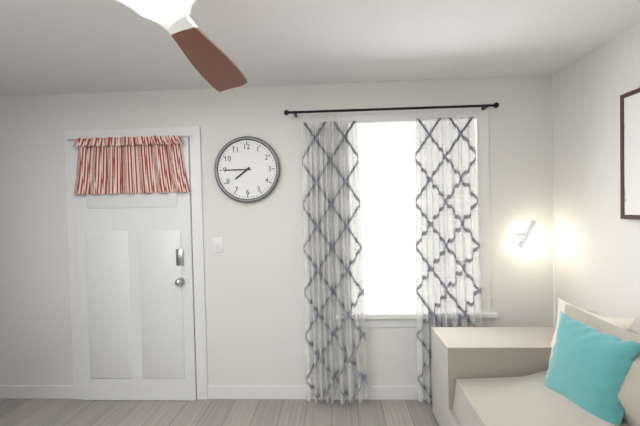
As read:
{"hour": 7, "minute": 45}
